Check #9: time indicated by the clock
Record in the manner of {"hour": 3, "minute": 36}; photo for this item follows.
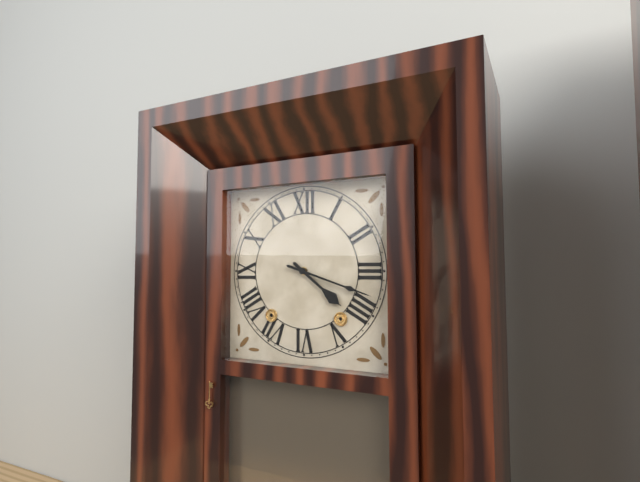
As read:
{"hour": 4, "minute": 18}
